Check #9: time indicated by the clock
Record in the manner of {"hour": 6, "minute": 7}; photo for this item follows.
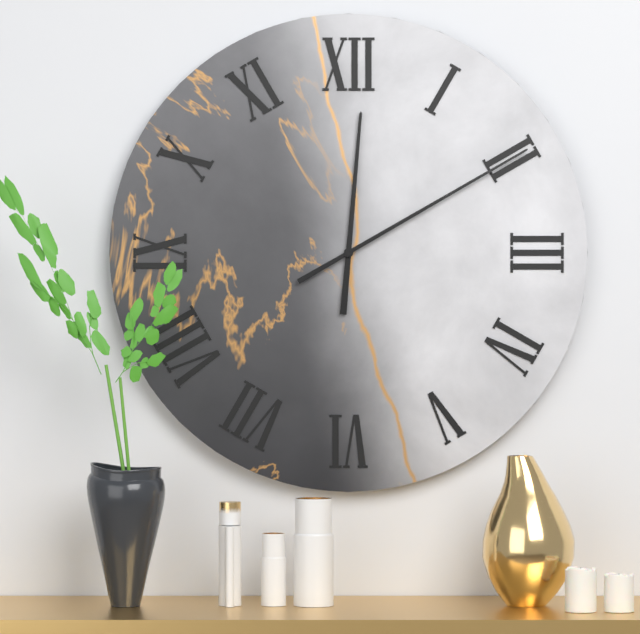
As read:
{"hour": 12, "minute": 10}
